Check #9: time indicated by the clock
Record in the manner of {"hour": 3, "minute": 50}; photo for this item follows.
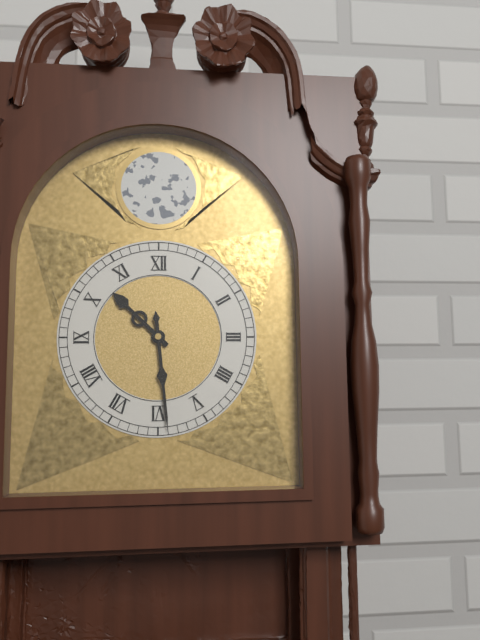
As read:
{"hour": 10, "minute": 29}
